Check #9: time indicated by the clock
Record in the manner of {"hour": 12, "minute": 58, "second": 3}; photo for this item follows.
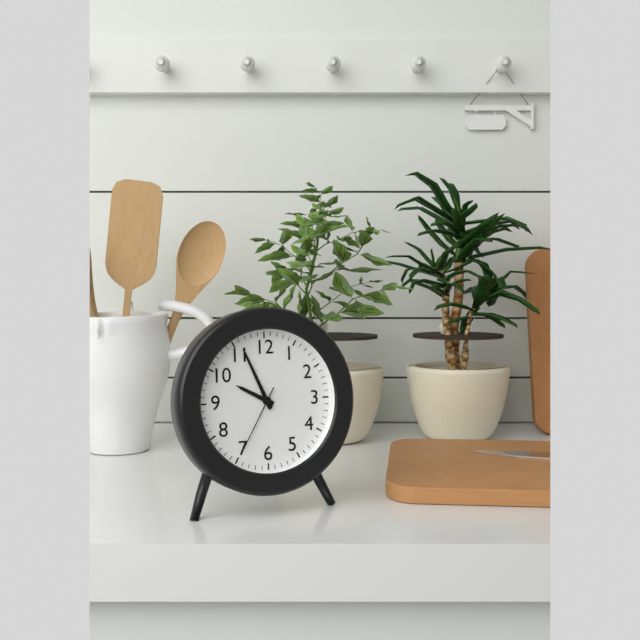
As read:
{"hour": 9, "minute": 56, "second": 35}
